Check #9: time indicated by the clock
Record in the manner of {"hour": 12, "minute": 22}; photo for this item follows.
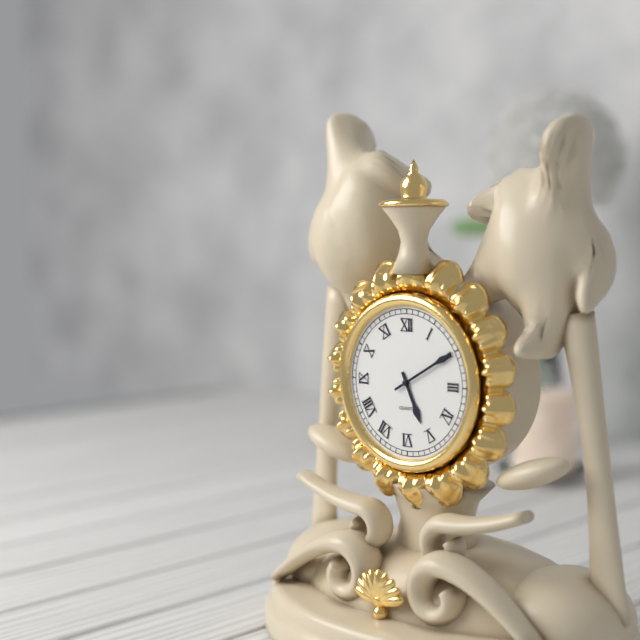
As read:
{"hour": 5, "minute": 10}
